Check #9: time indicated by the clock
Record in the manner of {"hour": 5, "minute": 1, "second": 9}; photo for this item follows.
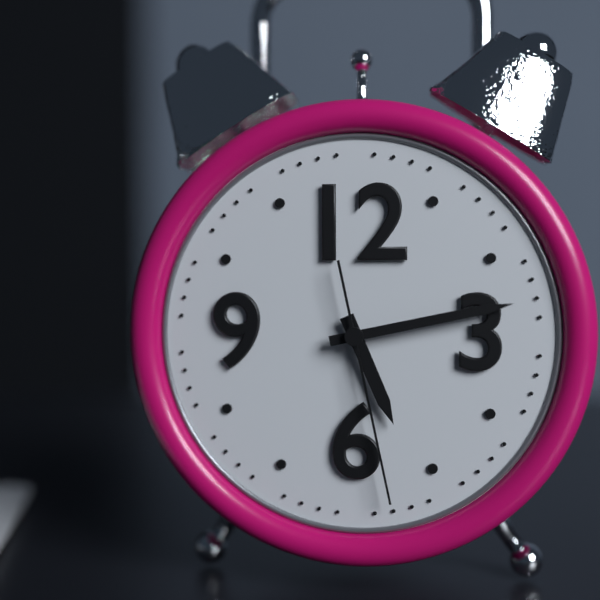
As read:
{"hour": 5, "minute": 13, "second": 28}
